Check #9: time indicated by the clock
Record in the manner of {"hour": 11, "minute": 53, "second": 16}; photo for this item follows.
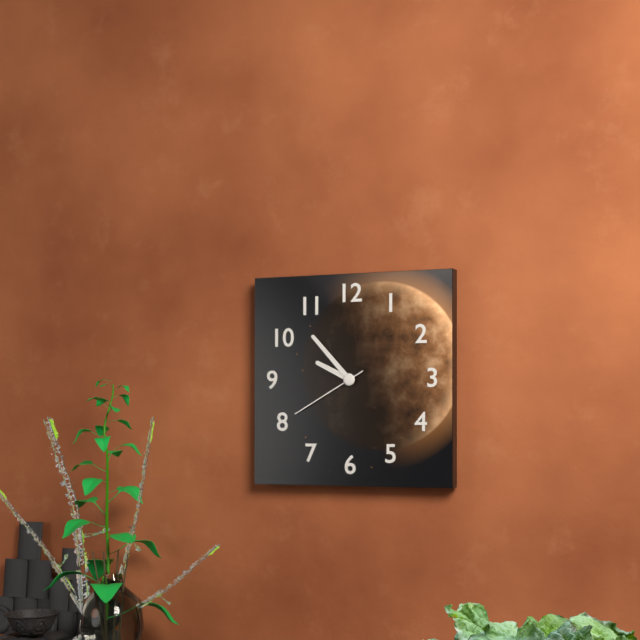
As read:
{"hour": 9, "minute": 53, "second": 40}
